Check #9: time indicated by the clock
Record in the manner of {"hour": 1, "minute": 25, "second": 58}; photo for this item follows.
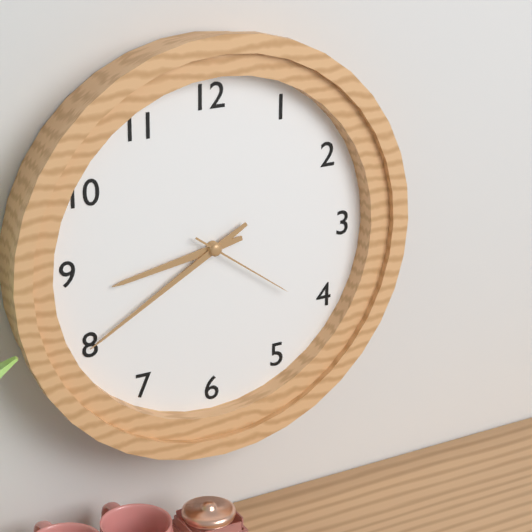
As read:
{"hour": 8, "minute": 40, "second": 21}
